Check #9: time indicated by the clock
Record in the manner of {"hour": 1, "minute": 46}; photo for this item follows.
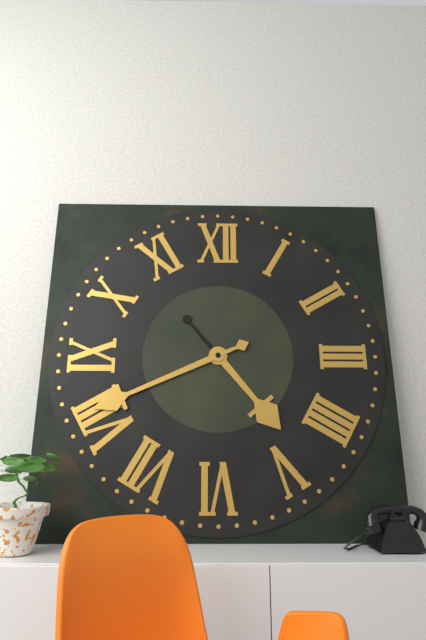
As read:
{"hour": 4, "minute": 41}
